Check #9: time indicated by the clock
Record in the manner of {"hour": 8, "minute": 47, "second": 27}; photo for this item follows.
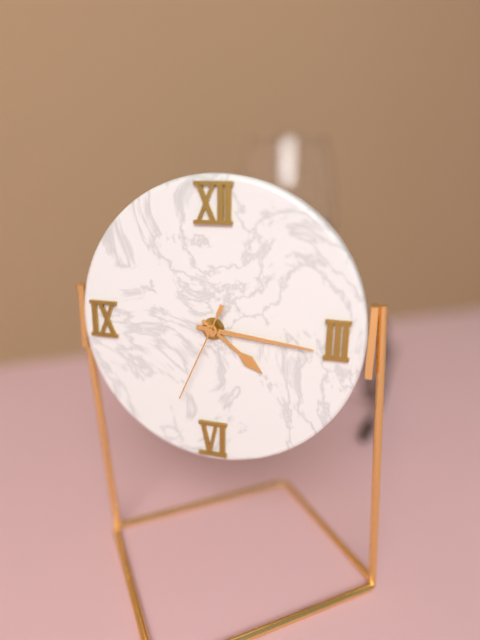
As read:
{"hour": 4, "minute": 16, "second": 34}
